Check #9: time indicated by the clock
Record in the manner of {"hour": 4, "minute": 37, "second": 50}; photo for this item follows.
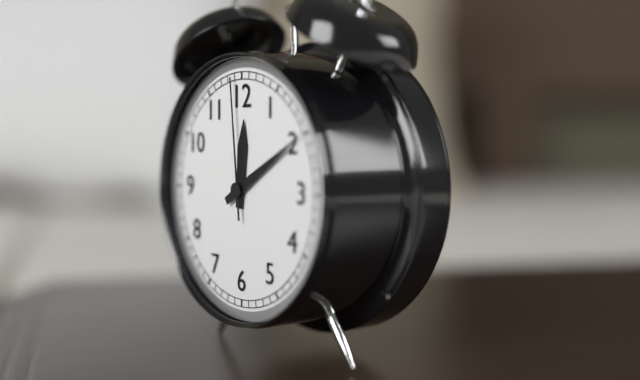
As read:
{"hour": 12, "minute": 10, "second": 59}
